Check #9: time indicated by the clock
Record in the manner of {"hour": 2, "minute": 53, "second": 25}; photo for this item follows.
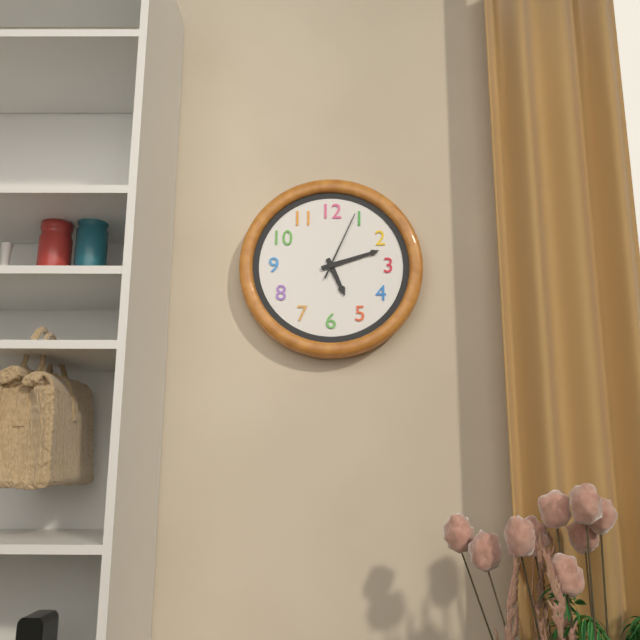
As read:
{"hour": 5, "minute": 12, "second": 4}
